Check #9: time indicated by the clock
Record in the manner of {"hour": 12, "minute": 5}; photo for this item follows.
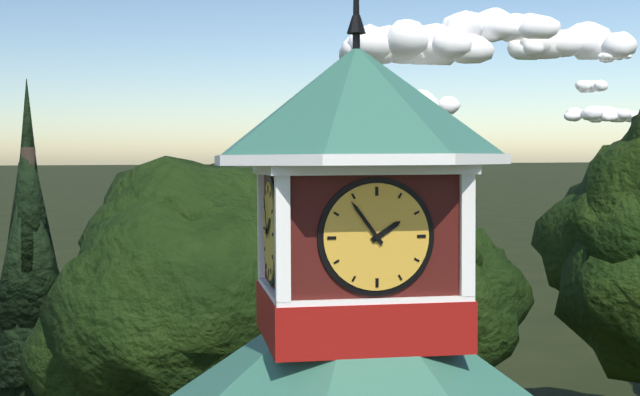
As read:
{"hour": 1, "minute": 54}
